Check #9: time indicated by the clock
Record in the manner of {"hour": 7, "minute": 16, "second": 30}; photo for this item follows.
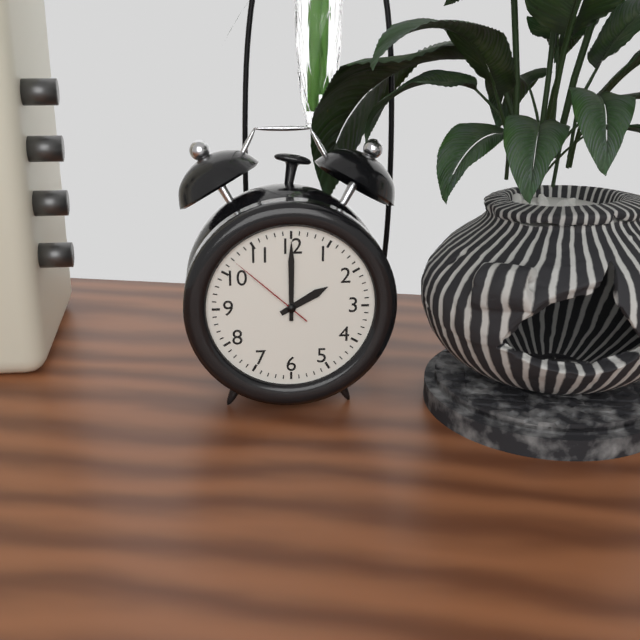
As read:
{"hour": 2, "minute": 0, "second": 52}
